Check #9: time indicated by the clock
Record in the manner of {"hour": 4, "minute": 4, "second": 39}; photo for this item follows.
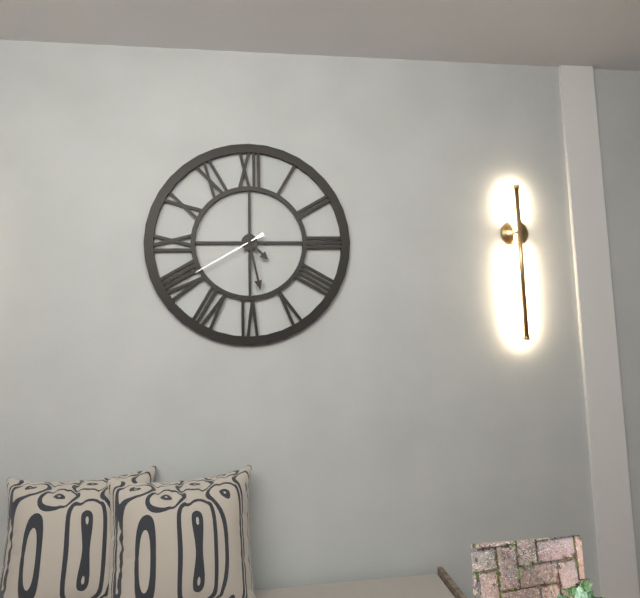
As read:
{"hour": 4, "minute": 28, "second": 40}
